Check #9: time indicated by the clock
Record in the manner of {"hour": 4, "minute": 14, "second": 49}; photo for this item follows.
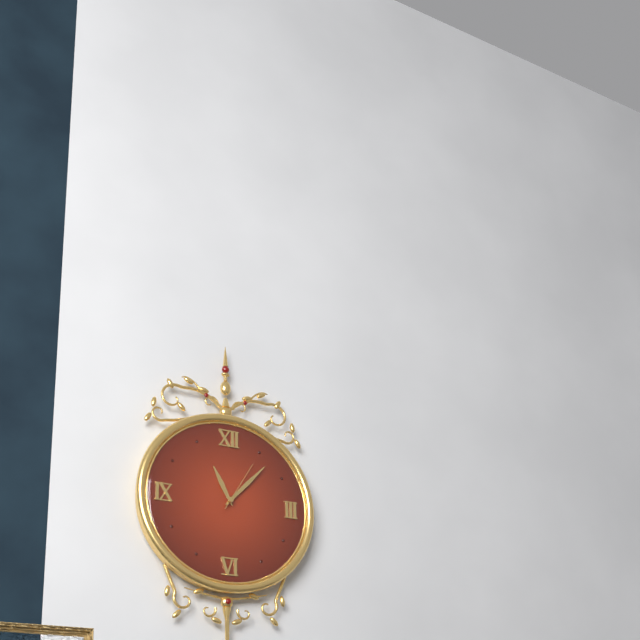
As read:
{"hour": 11, "minute": 7, "second": 5}
